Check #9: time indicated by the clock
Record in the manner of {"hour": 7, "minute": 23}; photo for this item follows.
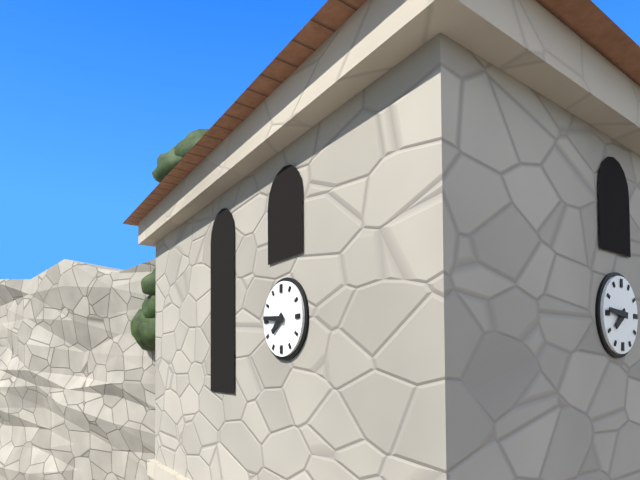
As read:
{"hour": 7, "minute": 46}
